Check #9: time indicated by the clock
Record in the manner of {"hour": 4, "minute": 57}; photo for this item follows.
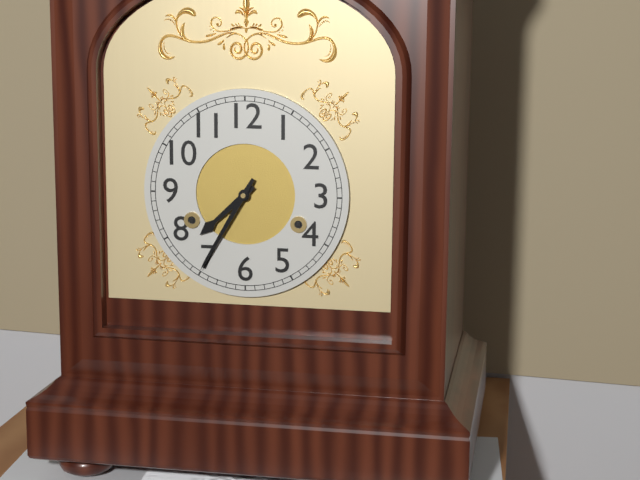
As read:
{"hour": 7, "minute": 35}
